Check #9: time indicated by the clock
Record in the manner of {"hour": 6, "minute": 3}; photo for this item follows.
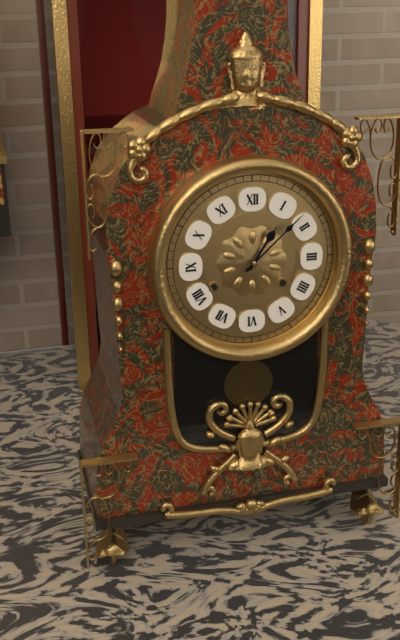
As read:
{"hour": 1, "minute": 8}
